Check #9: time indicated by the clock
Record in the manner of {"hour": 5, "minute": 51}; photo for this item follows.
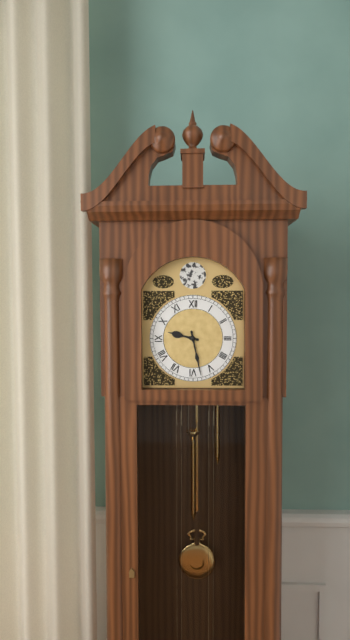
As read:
{"hour": 9, "minute": 28}
